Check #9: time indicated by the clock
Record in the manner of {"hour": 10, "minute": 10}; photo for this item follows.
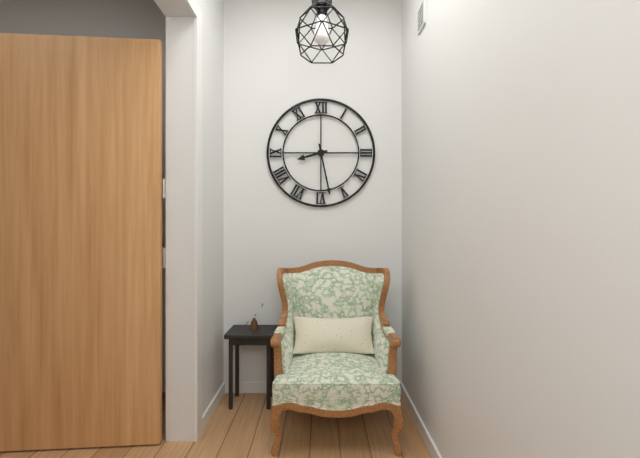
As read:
{"hour": 8, "minute": 28}
